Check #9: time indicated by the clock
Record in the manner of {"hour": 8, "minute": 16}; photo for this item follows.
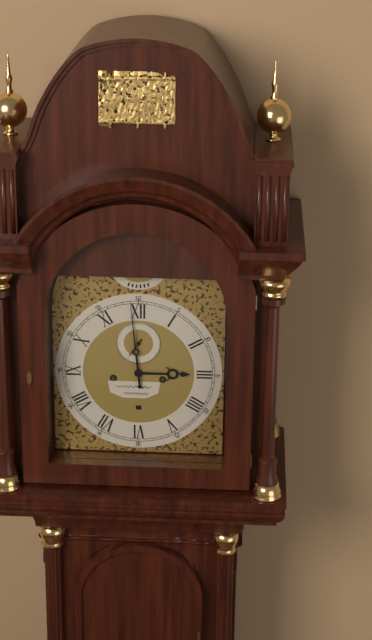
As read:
{"hour": 2, "minute": 59}
